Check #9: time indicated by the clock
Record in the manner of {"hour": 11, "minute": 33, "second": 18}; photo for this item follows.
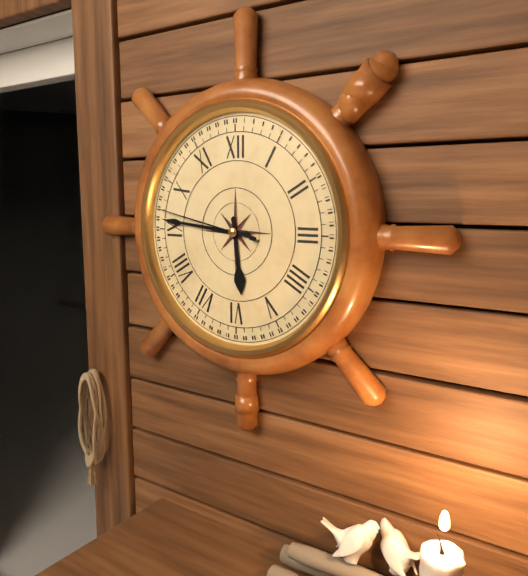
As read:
{"hour": 5, "minute": 46, "second": 47}
